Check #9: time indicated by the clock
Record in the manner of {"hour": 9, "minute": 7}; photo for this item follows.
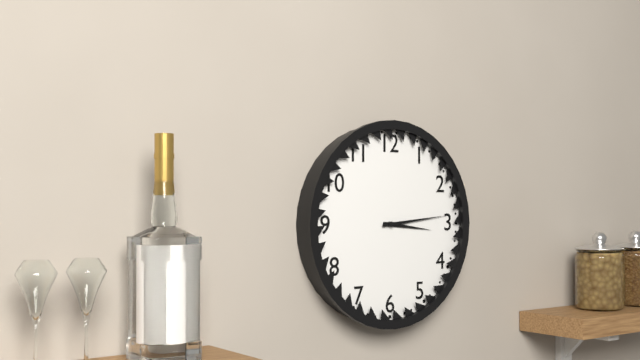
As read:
{"hour": 3, "minute": 14}
